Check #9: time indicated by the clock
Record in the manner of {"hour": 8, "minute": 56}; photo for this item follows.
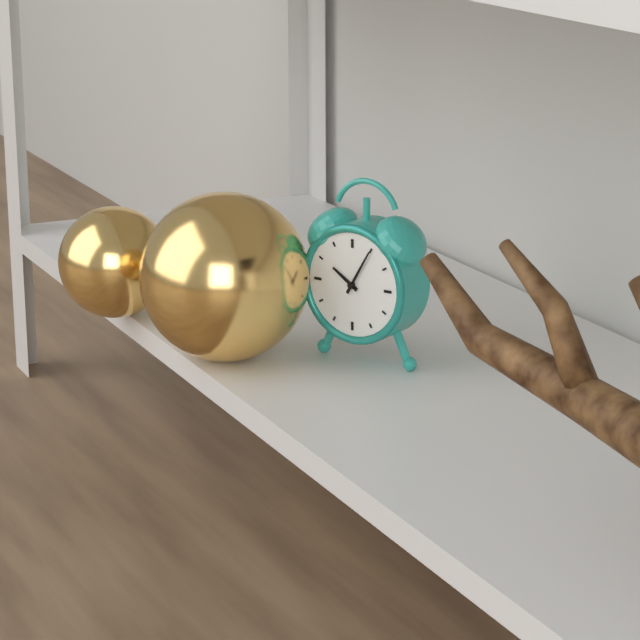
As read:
{"hour": 10, "minute": 5}
